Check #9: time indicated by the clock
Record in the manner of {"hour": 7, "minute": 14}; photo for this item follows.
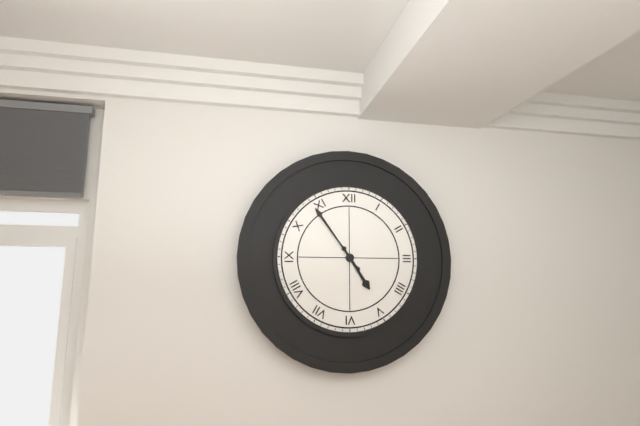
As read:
{"hour": 4, "minute": 54}
